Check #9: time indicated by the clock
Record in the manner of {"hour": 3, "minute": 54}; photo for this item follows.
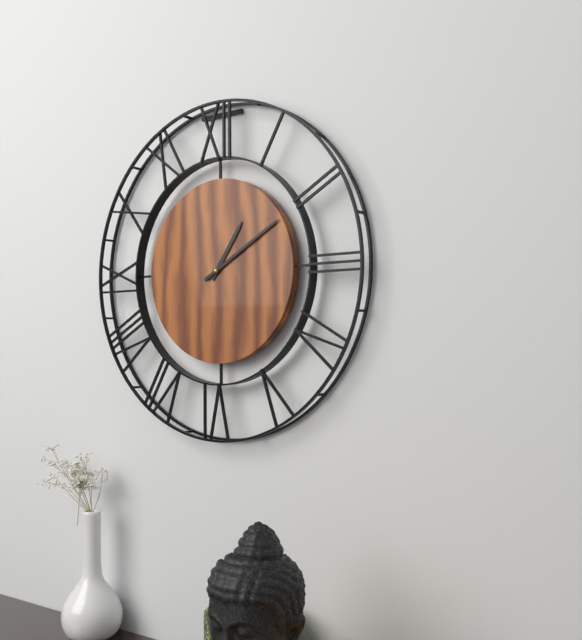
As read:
{"hour": 1, "minute": 10}
